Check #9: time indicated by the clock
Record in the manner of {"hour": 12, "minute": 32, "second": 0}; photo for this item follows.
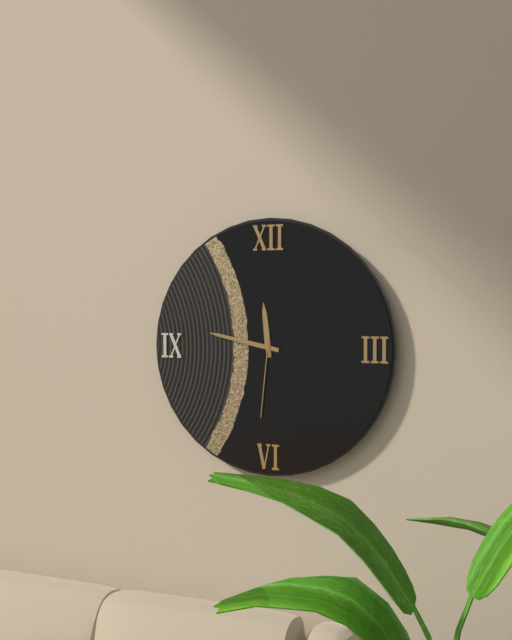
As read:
{"hour": 11, "minute": 47, "second": 31}
